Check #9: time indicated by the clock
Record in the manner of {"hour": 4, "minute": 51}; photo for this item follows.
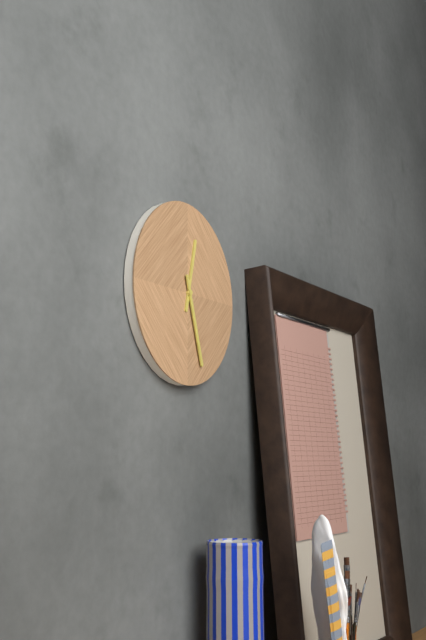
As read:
{"hour": 12, "minute": 27}
